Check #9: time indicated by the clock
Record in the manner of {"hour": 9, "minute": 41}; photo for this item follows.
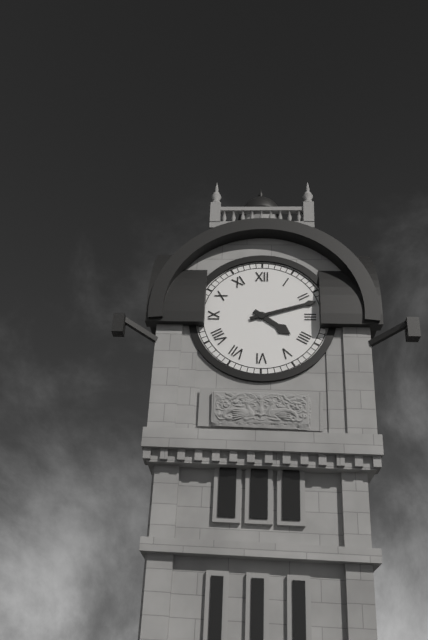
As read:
{"hour": 4, "minute": 12}
